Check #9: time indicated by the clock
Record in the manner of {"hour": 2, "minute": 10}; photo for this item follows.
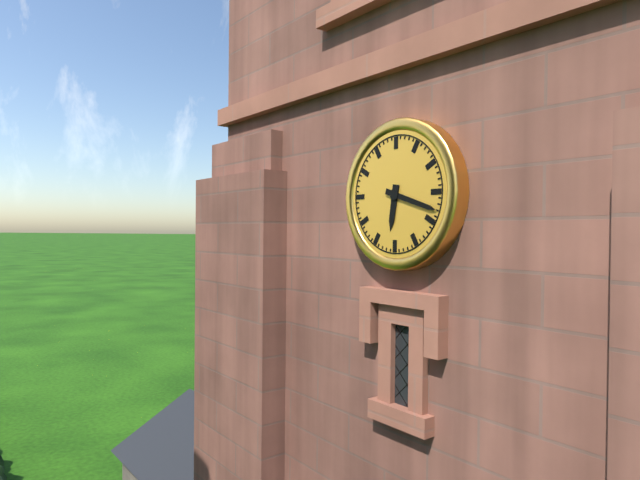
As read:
{"hour": 6, "minute": 18}
